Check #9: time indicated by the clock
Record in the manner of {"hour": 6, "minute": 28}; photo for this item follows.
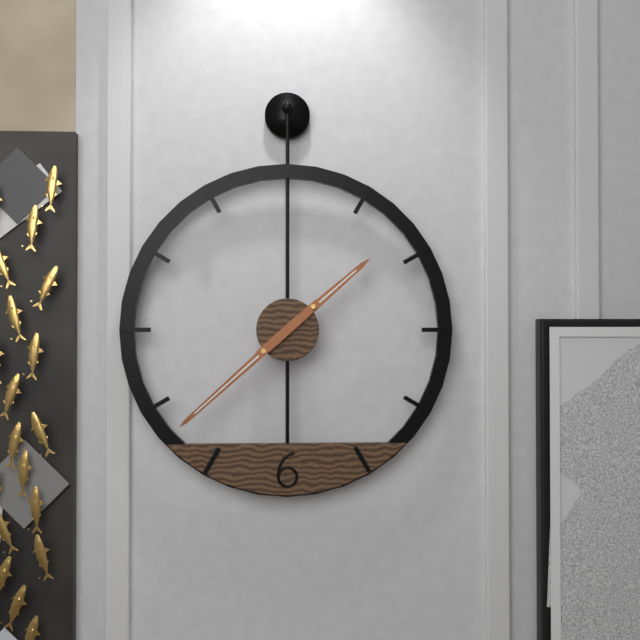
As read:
{"hour": 1, "minute": 38}
